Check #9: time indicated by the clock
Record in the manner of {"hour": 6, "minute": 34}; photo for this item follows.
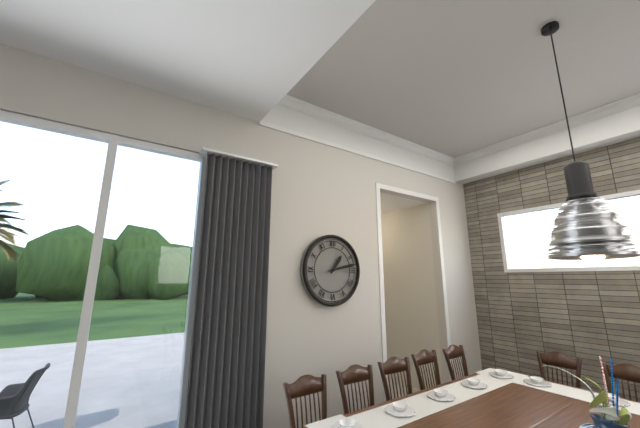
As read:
{"hour": 1, "minute": 13}
